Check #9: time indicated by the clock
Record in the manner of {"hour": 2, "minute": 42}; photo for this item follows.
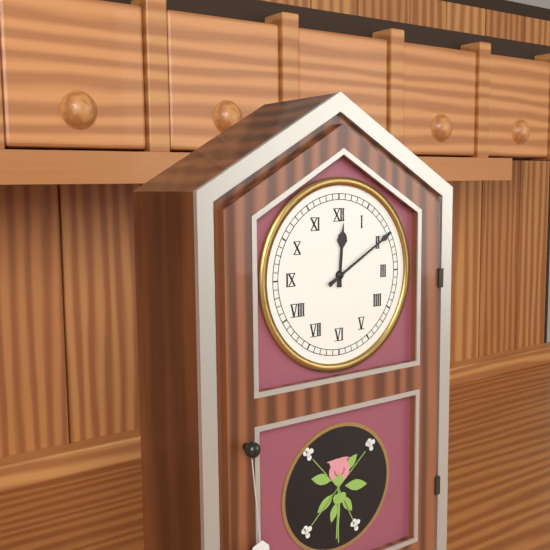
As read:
{"hour": 12, "minute": 10}
